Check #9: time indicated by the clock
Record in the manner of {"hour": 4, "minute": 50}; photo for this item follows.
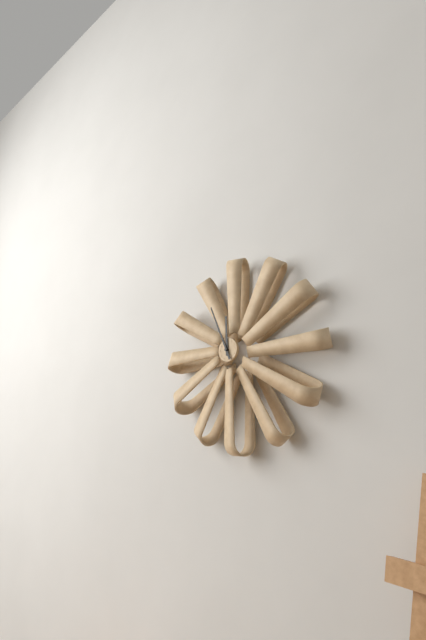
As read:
{"hour": 11, "minute": 56}
